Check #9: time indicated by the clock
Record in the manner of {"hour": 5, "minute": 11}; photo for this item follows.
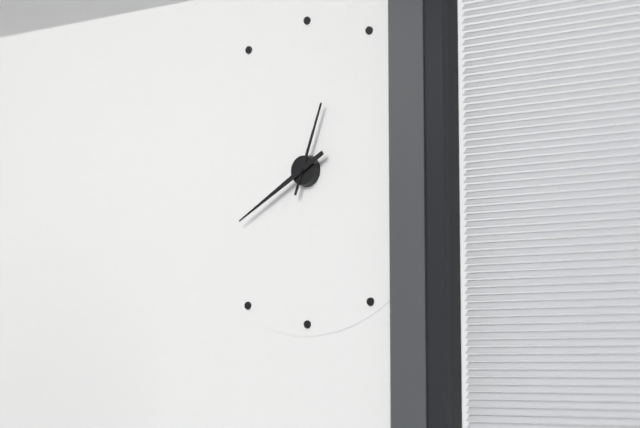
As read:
{"hour": 12, "minute": 40}
